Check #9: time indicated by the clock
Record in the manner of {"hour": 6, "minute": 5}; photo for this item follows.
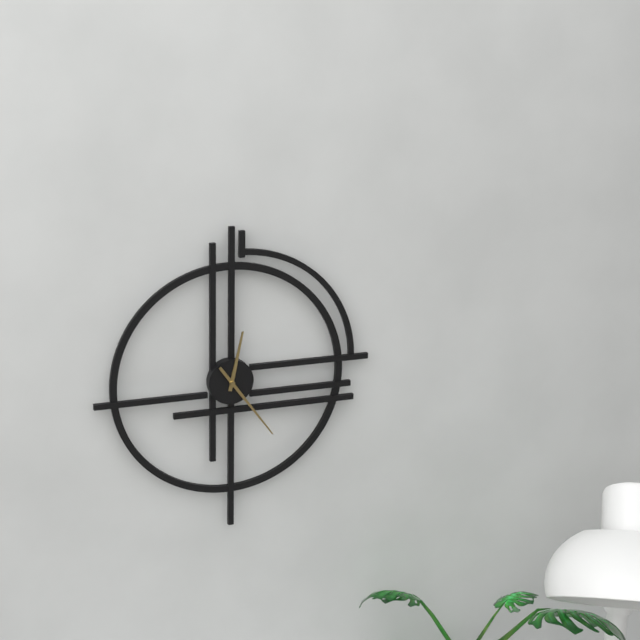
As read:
{"hour": 12, "minute": 24}
